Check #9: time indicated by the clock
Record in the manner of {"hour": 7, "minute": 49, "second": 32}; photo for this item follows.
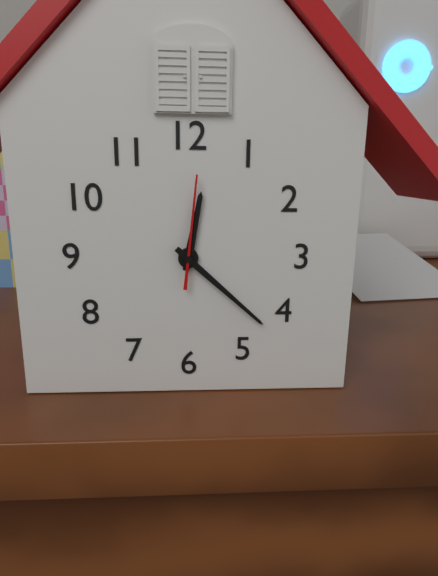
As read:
{"hour": 12, "minute": 22, "second": 1}
